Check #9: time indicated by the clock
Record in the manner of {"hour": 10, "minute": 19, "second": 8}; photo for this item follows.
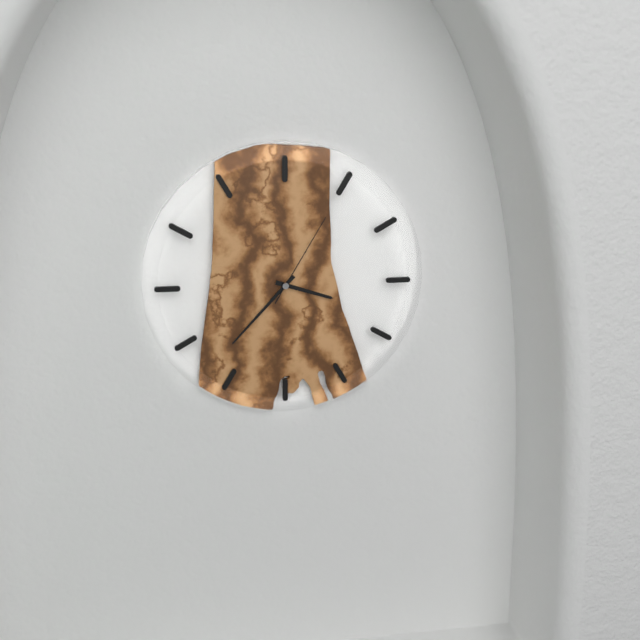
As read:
{"hour": 3, "minute": 37, "second": 5}
